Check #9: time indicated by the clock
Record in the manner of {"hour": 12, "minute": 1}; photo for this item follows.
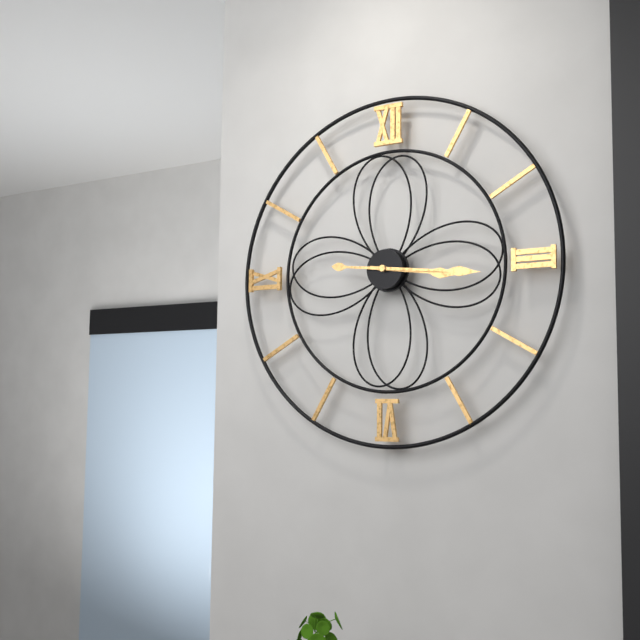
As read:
{"hour": 3, "minute": 16}
